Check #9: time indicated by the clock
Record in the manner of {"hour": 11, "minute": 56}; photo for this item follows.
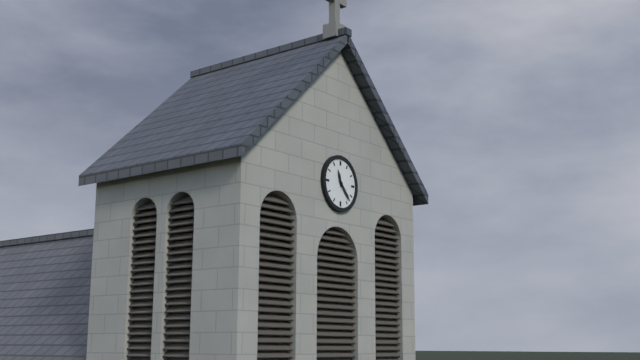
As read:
{"hour": 11, "minute": 23}
